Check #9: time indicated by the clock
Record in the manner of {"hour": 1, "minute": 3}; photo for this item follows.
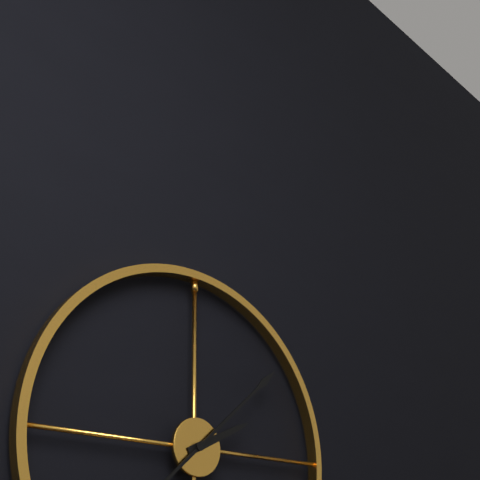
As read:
{"hour": 2, "minute": 8}
